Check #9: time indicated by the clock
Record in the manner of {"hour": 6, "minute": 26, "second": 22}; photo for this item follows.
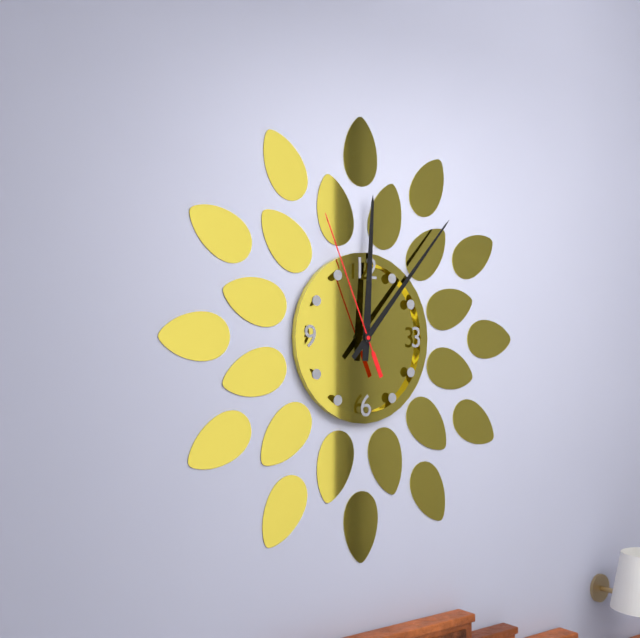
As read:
{"hour": 12, "minute": 7, "second": 56}
